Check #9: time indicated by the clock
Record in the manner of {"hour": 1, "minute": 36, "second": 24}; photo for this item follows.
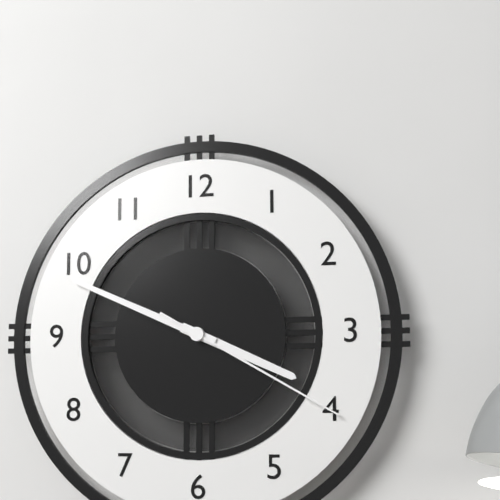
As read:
{"hour": 3, "minute": 49, "second": 20}
